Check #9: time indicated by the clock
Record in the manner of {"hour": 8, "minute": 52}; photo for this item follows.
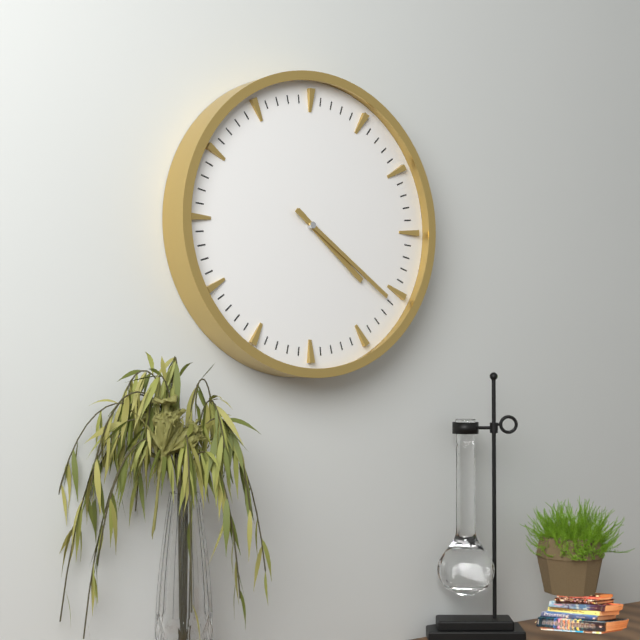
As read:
{"hour": 4, "minute": 21}
